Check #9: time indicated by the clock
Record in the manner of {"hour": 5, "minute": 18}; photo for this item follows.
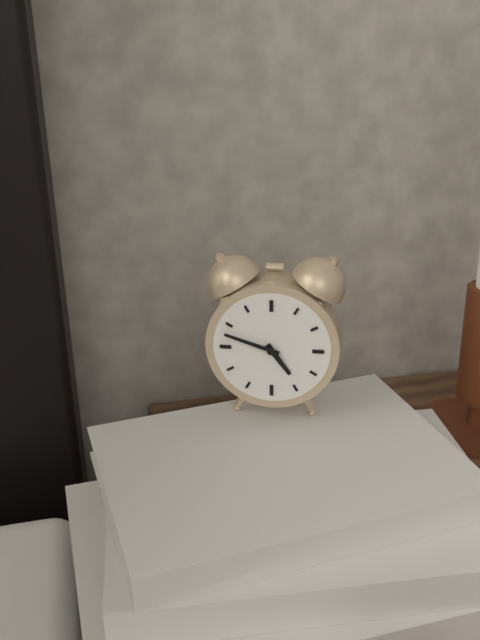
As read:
{"hour": 4, "minute": 48}
